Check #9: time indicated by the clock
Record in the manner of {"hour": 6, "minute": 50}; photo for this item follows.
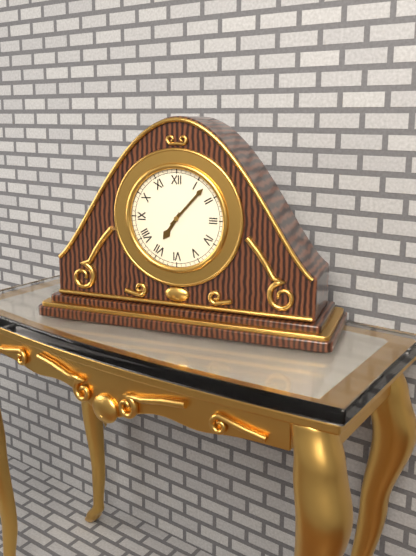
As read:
{"hour": 7, "minute": 7}
